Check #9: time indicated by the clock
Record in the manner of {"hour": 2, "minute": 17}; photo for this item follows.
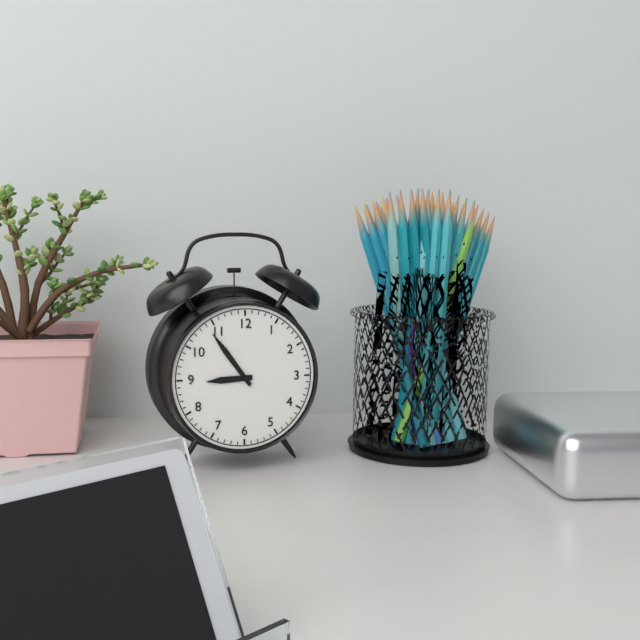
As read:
{"hour": 8, "minute": 54}
